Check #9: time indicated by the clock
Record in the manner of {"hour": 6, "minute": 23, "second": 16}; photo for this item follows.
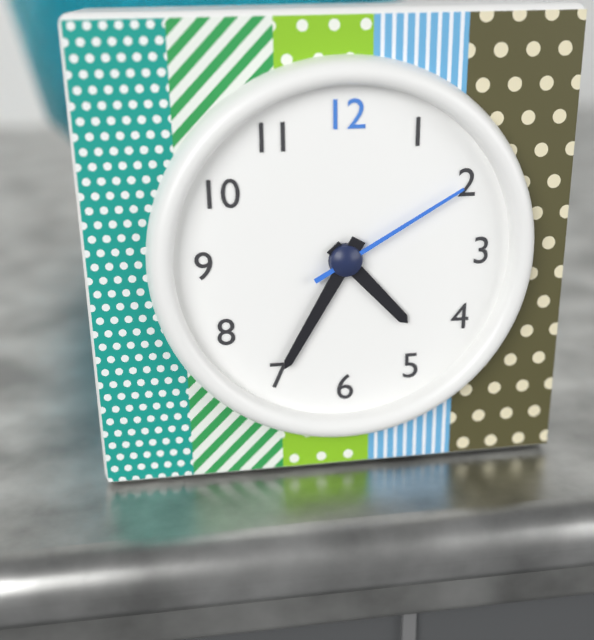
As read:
{"hour": 4, "minute": 35, "second": 10}
